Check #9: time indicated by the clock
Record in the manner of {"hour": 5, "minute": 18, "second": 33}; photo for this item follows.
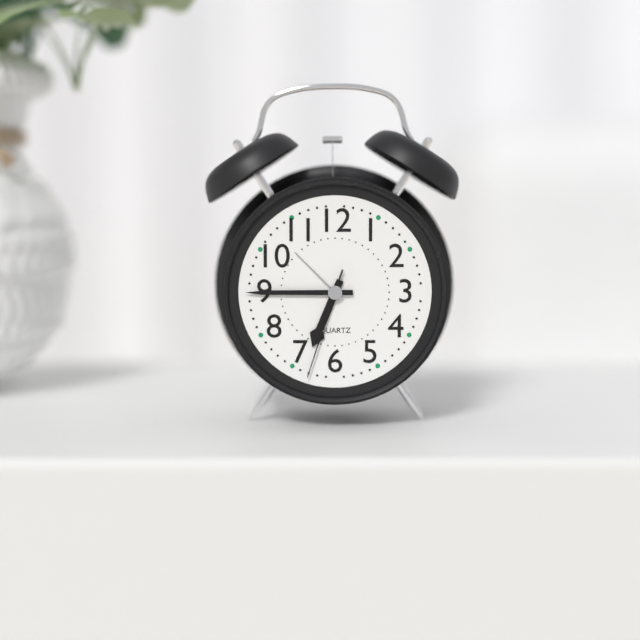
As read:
{"hour": 6, "minute": 45, "second": 33}
